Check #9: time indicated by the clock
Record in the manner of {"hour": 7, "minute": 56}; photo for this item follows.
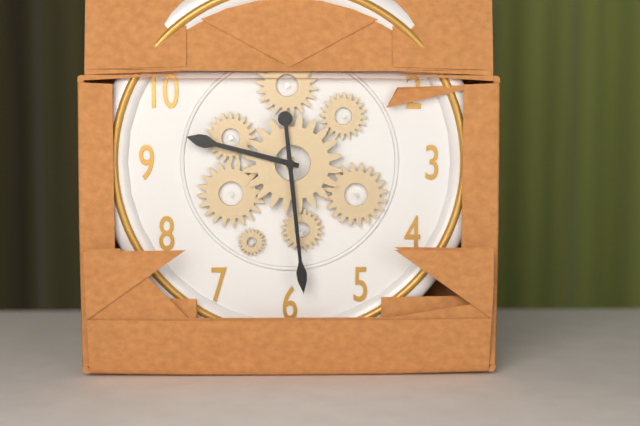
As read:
{"hour": 9, "minute": 29}
